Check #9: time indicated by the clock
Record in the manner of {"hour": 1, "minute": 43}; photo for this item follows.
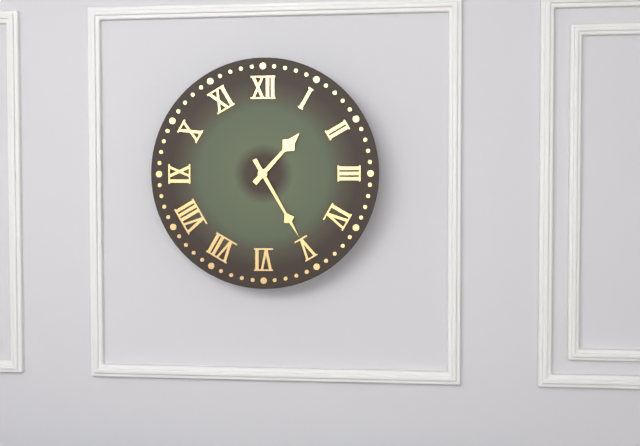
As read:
{"hour": 1, "minute": 25}
